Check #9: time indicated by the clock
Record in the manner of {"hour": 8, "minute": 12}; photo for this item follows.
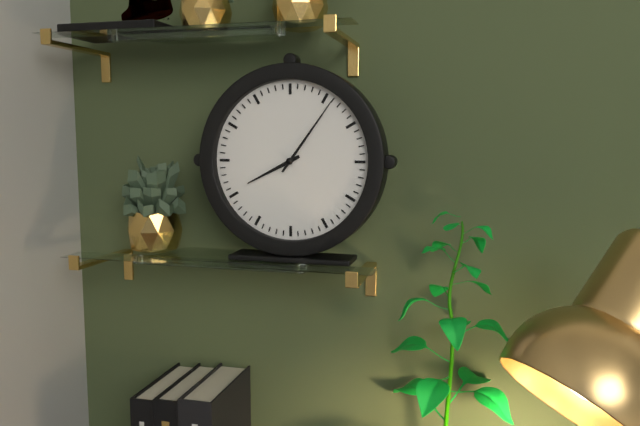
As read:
{"hour": 8, "minute": 6}
